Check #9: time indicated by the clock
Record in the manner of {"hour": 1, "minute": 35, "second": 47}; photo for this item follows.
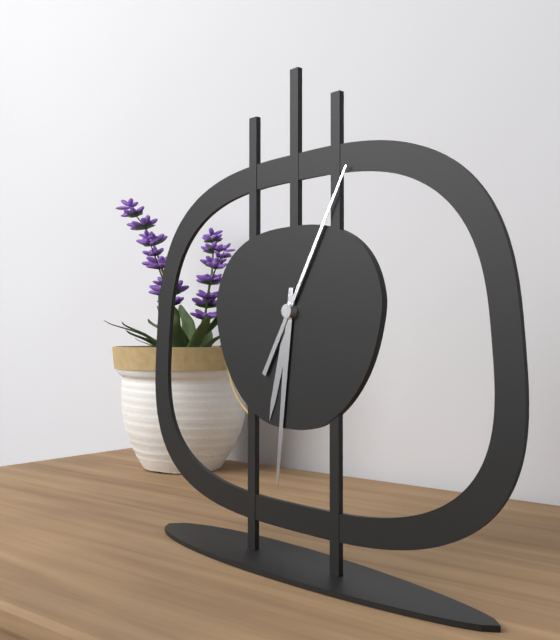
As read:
{"hour": 6, "minute": 31, "second": 5}
